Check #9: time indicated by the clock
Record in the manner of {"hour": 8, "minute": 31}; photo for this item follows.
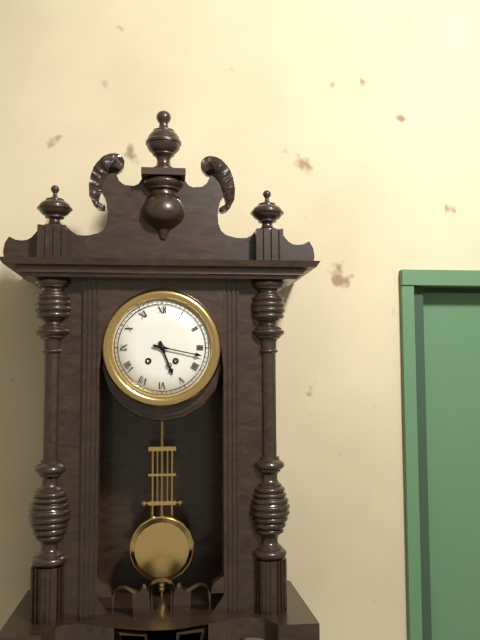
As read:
{"hour": 5, "minute": 17}
